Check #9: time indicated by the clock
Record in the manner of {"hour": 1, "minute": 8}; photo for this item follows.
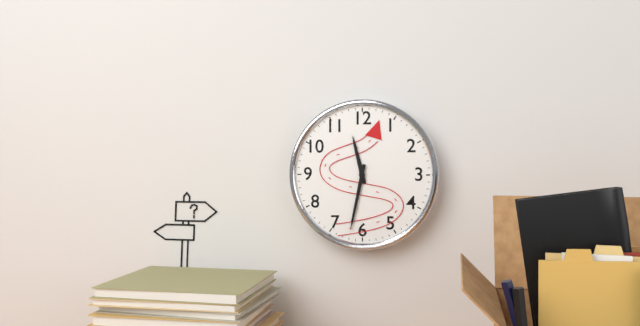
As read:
{"hour": 11, "minute": 32}
